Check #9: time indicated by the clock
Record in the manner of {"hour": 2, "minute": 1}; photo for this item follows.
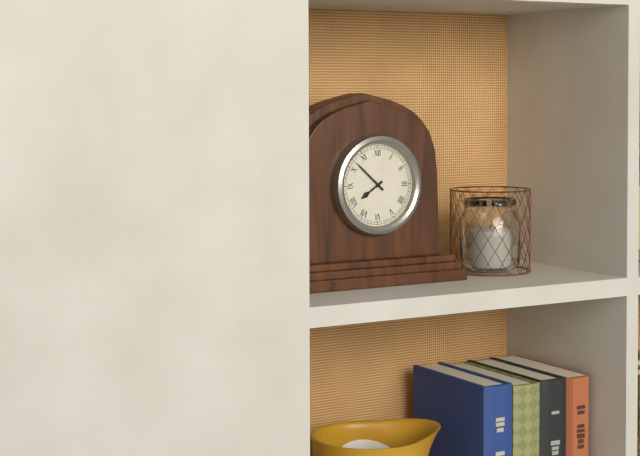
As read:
{"hour": 7, "minute": 52}
